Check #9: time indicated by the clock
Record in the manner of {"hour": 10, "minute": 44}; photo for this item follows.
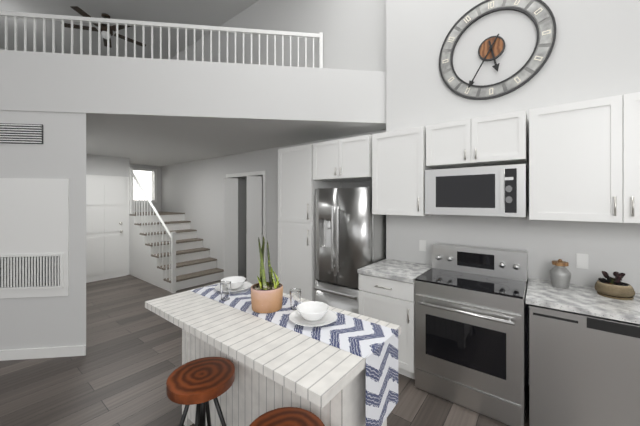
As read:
{"hour": 5, "minute": 35}
